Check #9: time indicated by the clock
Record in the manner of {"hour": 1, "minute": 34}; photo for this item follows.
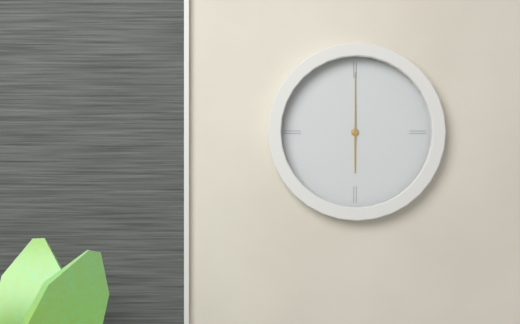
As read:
{"hour": 6, "minute": 0}
